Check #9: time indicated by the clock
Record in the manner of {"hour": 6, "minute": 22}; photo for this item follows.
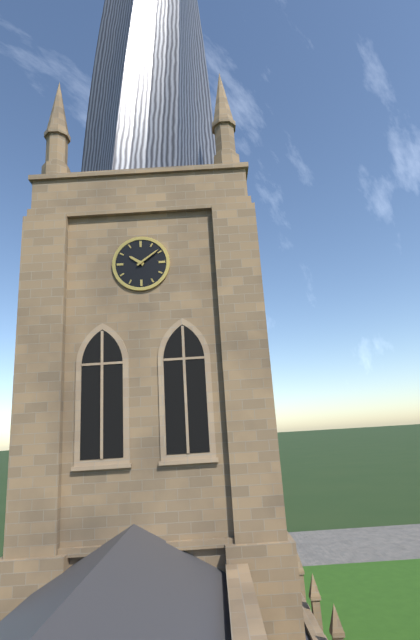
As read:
{"hour": 10, "minute": 9}
